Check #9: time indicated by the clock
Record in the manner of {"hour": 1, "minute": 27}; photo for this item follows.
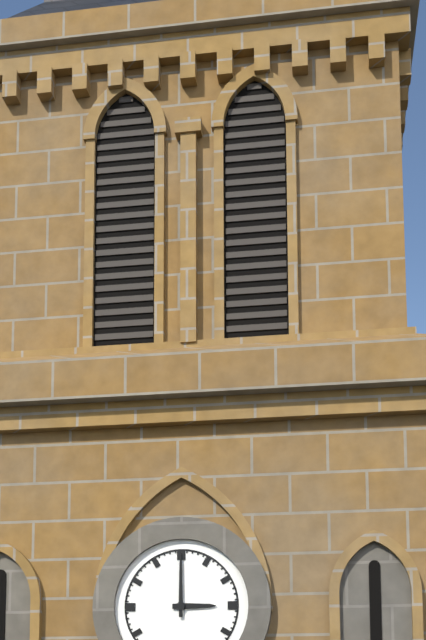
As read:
{"hour": 3, "minute": 0}
